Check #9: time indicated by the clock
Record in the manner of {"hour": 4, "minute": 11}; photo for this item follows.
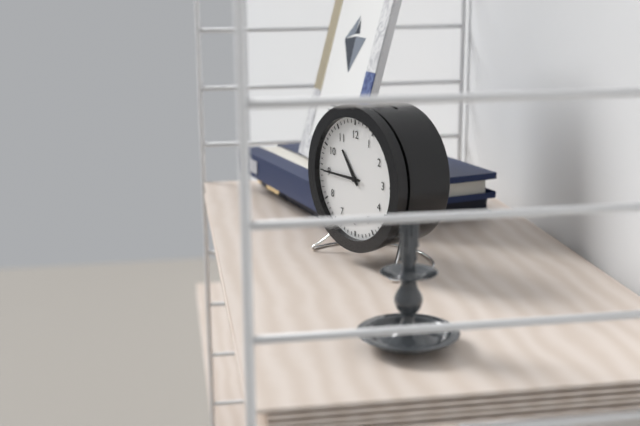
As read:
{"hour": 10, "minute": 45}
